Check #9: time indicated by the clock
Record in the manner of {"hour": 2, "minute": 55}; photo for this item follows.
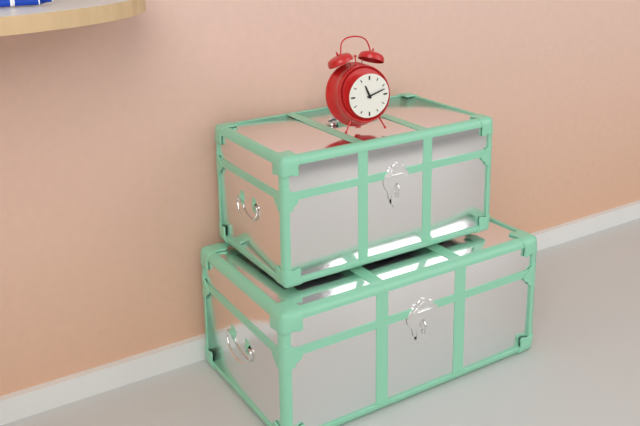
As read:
{"hour": 11, "minute": 12}
